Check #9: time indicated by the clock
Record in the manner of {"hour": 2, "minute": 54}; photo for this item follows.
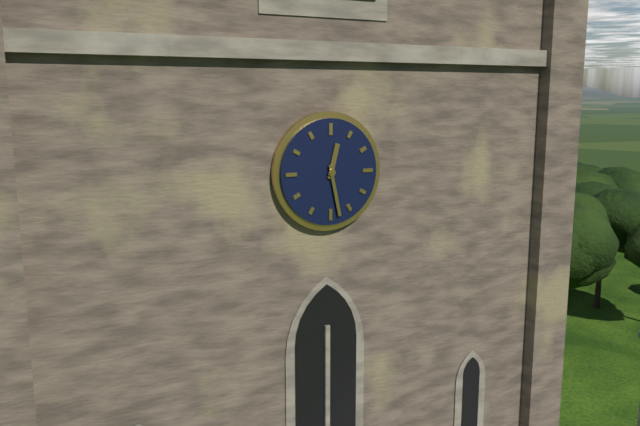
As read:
{"hour": 12, "minute": 28}
